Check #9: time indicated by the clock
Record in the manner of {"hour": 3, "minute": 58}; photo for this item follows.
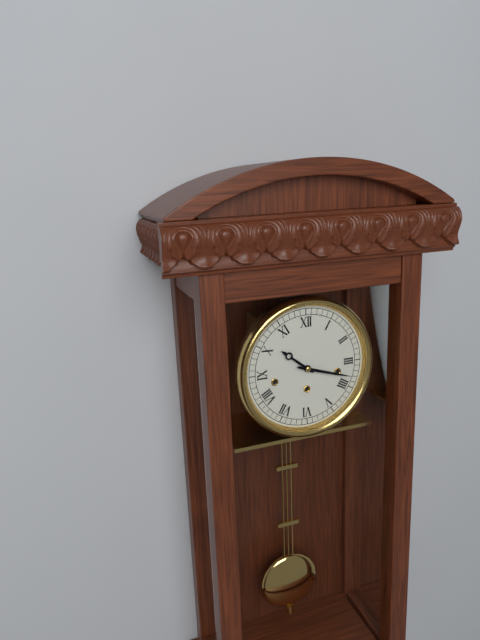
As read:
{"hour": 10, "minute": 18}
